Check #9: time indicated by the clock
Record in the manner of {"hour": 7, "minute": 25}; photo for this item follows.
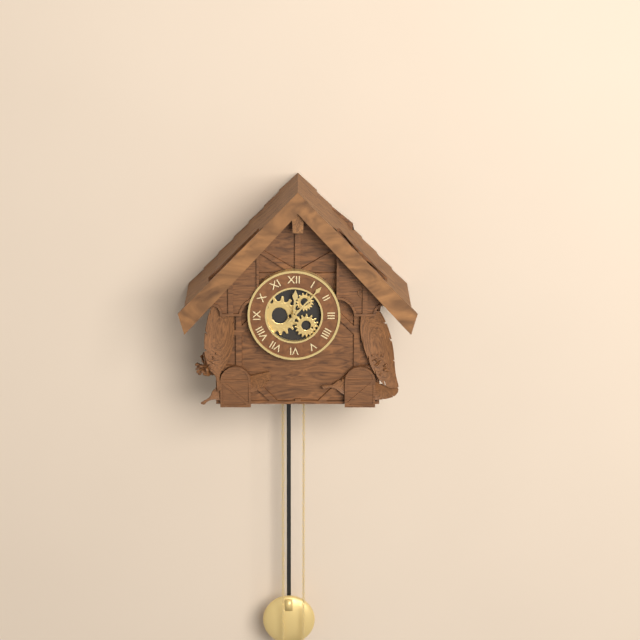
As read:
{"hour": 12, "minute": 7}
